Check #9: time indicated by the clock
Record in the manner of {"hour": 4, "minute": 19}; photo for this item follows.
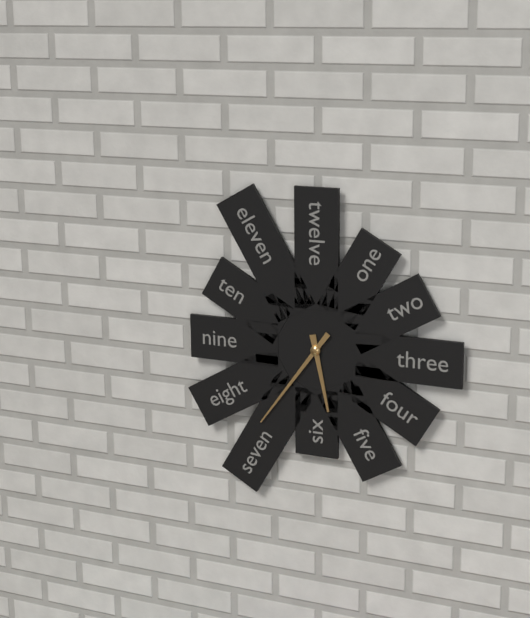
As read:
{"hour": 5, "minute": 36}
